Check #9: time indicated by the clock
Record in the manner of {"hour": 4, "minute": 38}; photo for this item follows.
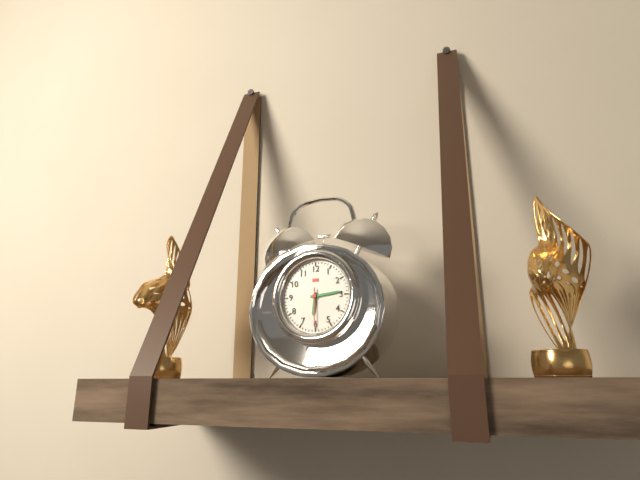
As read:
{"hour": 6, "minute": 14}
